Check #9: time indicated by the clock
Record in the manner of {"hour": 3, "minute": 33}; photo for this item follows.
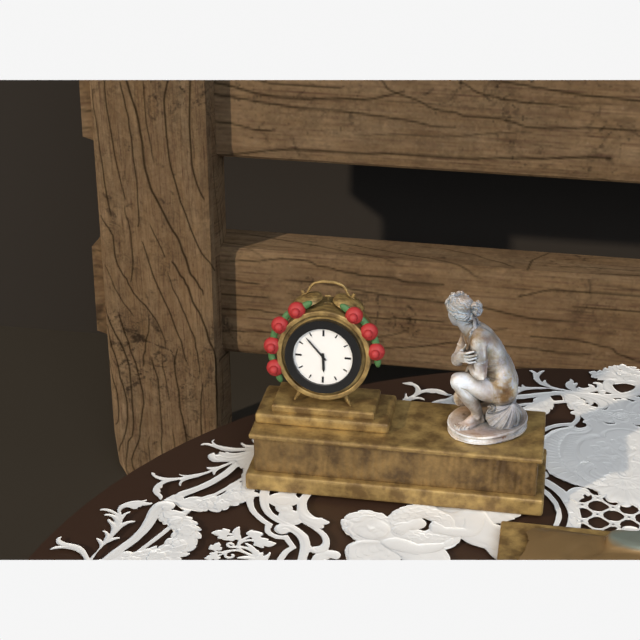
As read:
{"hour": 5, "minute": 53}
